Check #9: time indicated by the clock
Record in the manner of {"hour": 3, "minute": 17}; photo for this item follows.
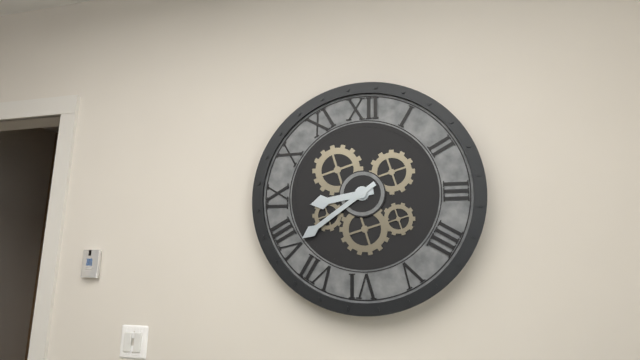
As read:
{"hour": 8, "minute": 39}
